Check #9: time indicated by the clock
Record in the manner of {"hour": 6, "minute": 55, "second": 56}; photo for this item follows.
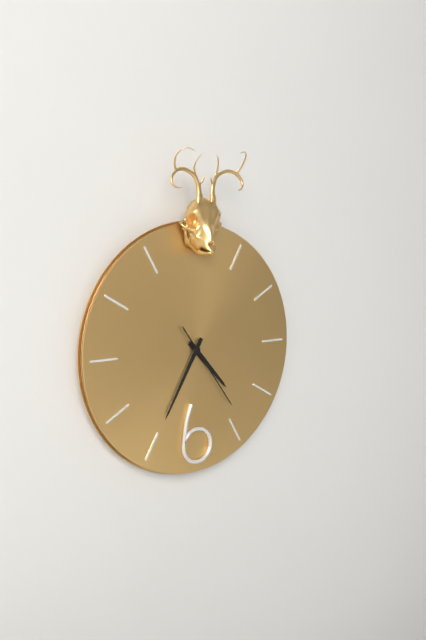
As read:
{"hour": 4, "minute": 35, "second": 24}
